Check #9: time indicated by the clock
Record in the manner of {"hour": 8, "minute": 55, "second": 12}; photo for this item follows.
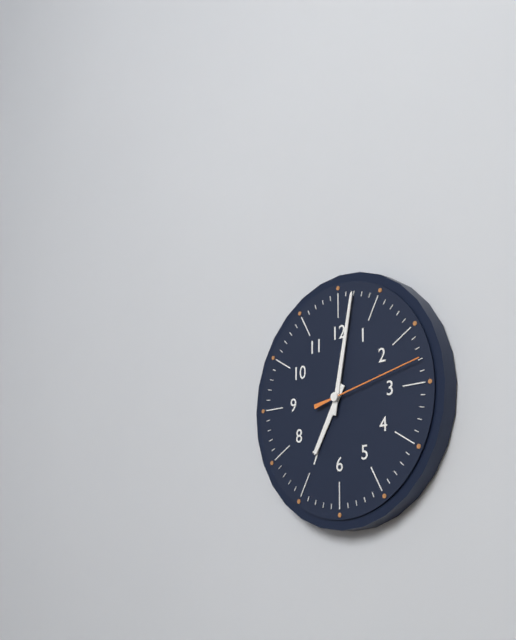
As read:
{"hour": 7, "minute": 2, "second": 13}
